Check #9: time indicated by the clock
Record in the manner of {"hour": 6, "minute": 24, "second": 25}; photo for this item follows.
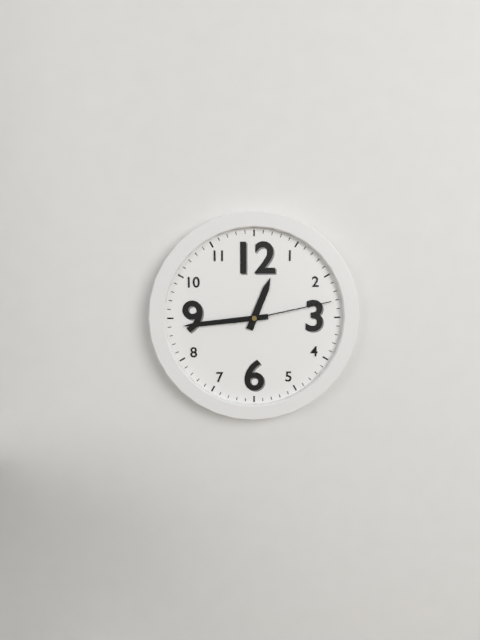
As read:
{"hour": 12, "minute": 44, "second": 13}
